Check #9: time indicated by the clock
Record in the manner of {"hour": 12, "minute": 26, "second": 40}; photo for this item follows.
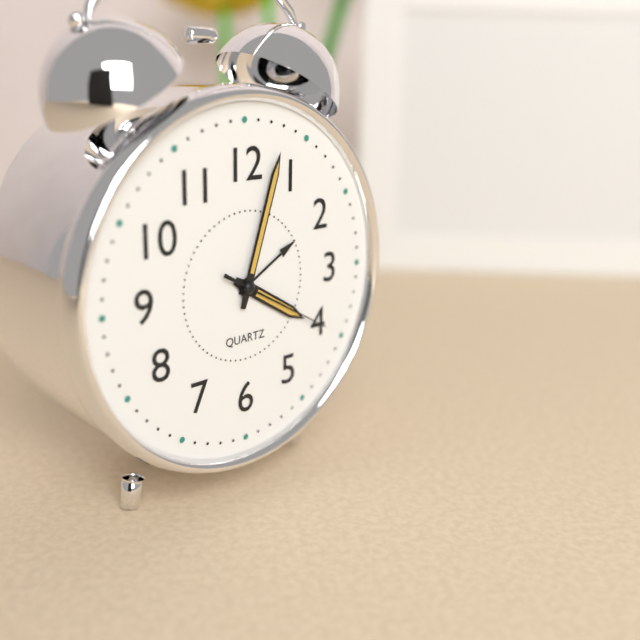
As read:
{"hour": 4, "minute": 3, "second": 20}
